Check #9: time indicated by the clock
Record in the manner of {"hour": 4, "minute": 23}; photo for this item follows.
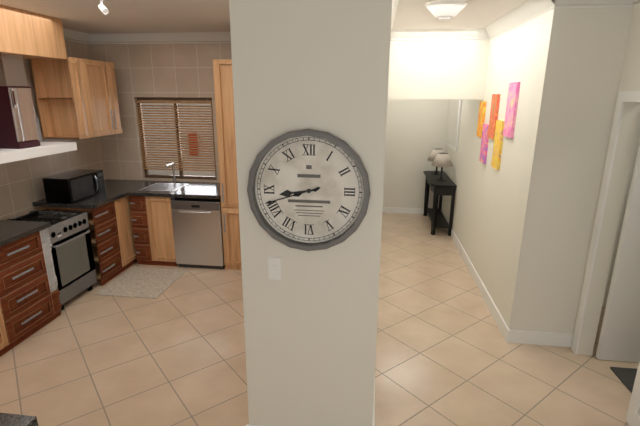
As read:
{"hour": 8, "minute": 42}
